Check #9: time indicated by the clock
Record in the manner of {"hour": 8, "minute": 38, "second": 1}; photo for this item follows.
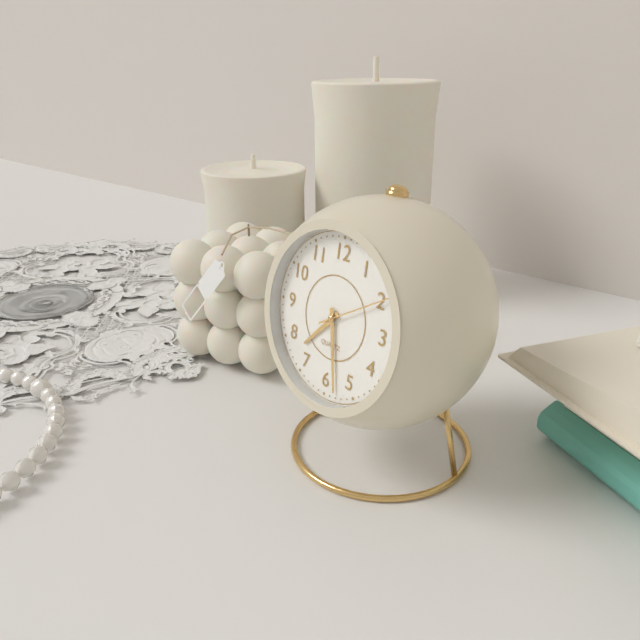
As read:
{"hour": 7, "minute": 28, "second": 10}
